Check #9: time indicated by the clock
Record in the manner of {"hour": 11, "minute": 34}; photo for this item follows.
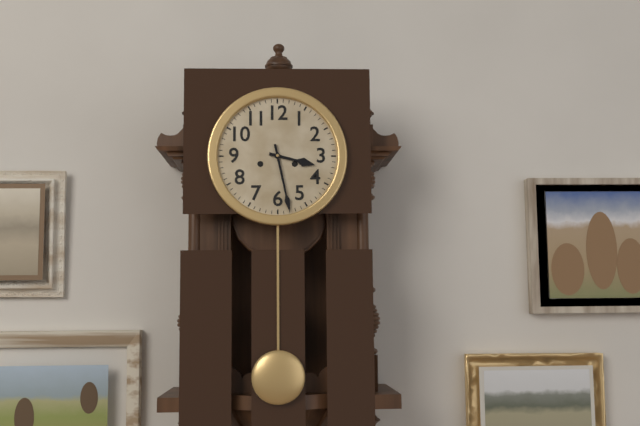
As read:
{"hour": 3, "minute": 28}
